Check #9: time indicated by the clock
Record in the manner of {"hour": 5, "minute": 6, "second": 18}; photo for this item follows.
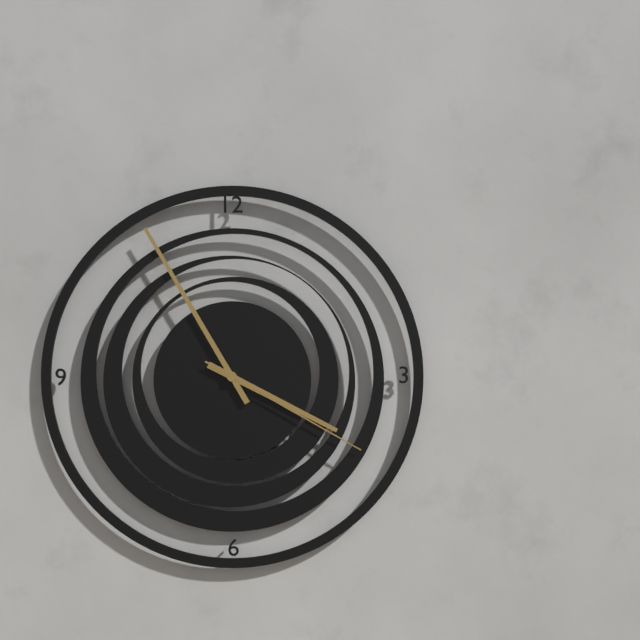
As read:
{"hour": 3, "minute": 55, "second": 20}
